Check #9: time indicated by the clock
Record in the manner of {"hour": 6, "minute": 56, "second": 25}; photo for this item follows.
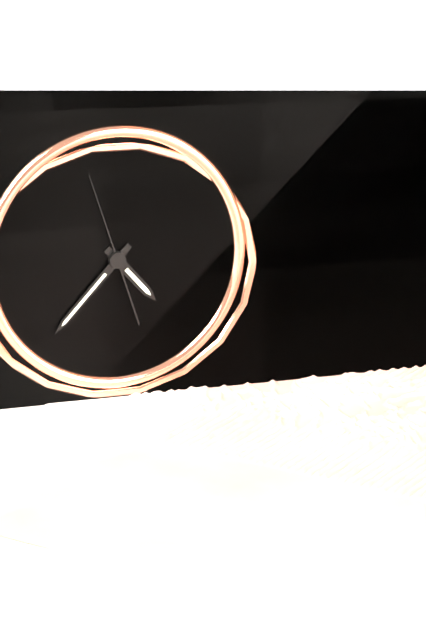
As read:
{"hour": 4, "minute": 37, "second": 57}
